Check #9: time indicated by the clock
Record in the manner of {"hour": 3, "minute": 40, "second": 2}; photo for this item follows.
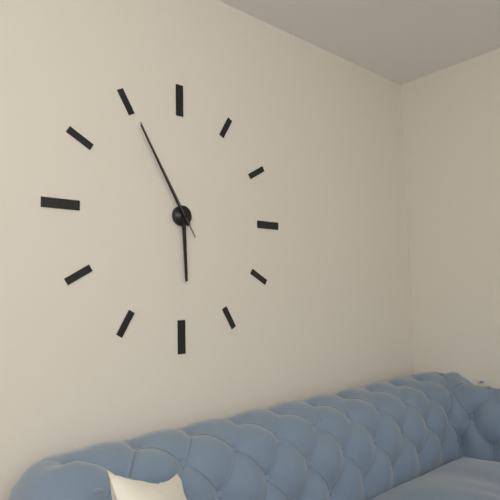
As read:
{"hour": 5, "minute": 55, "second": 55}
